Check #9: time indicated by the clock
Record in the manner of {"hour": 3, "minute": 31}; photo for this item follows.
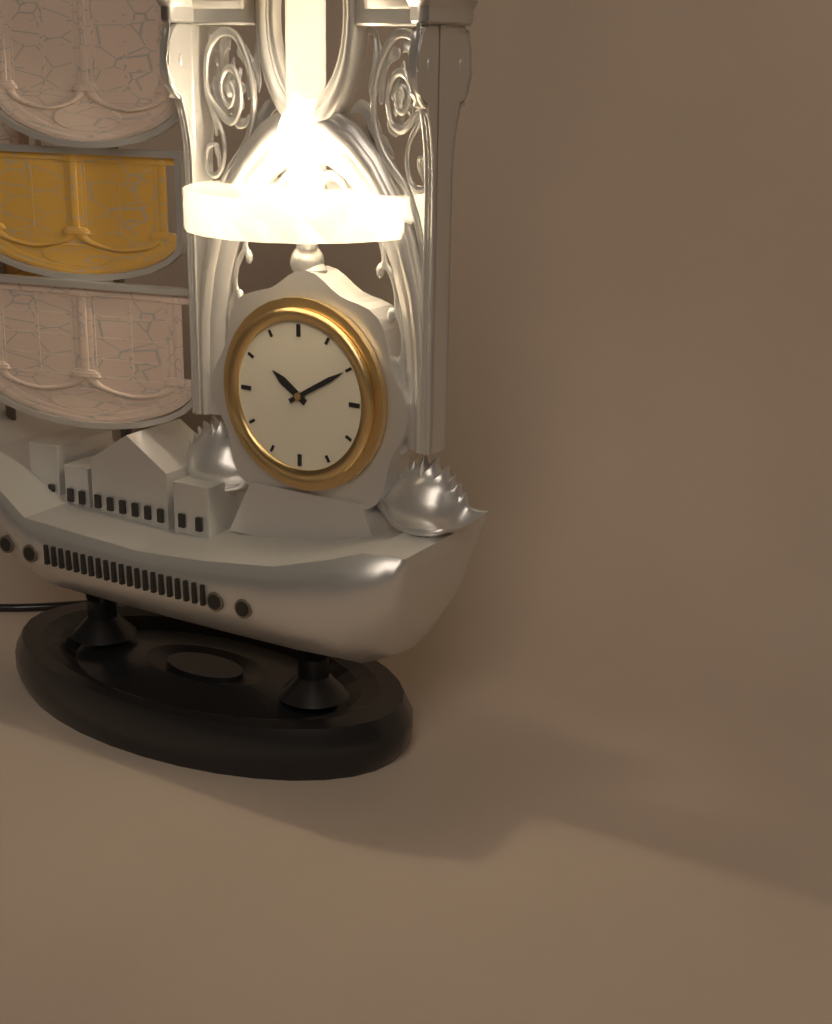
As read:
{"hour": 10, "minute": 10}
